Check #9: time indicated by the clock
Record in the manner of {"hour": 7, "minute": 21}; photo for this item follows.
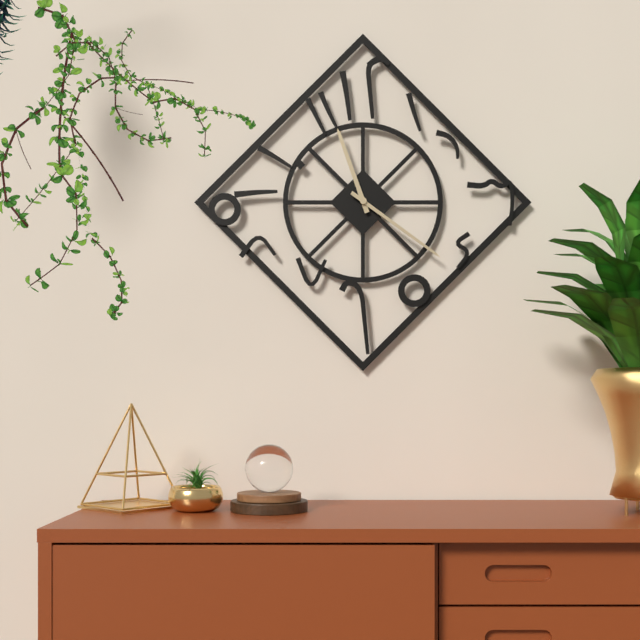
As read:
{"hour": 11, "minute": 21}
